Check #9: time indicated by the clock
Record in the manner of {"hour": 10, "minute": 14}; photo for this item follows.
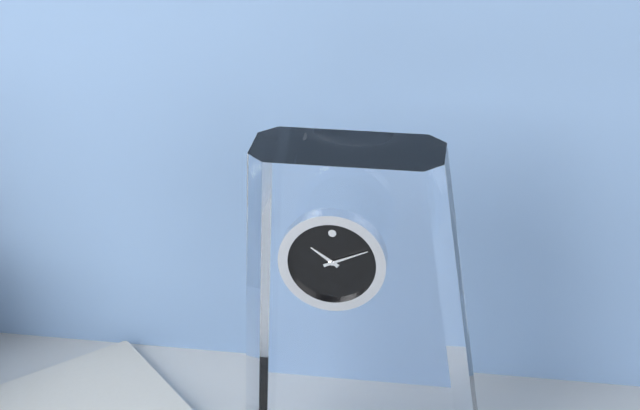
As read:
{"hour": 10, "minute": 11}
